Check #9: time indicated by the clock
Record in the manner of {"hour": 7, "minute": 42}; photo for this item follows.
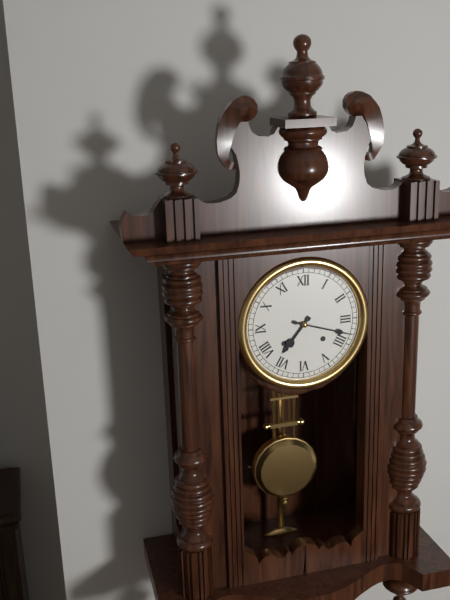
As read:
{"hour": 7, "minute": 18}
